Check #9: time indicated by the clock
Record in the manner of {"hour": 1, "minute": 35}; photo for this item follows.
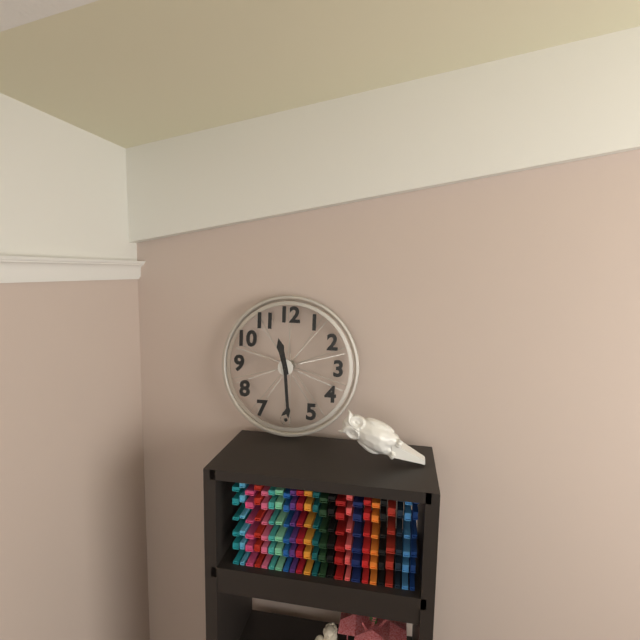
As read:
{"hour": 11, "minute": 29}
